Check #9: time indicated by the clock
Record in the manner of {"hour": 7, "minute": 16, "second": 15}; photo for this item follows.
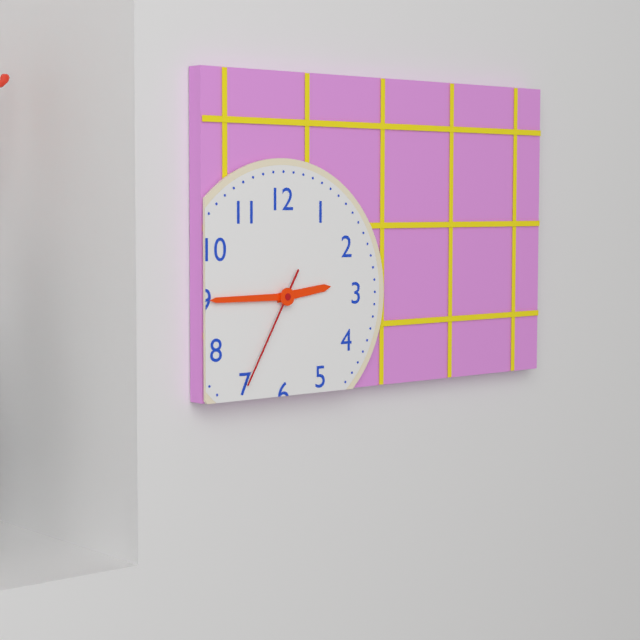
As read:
{"hour": 2, "minute": 45, "second": 35}
